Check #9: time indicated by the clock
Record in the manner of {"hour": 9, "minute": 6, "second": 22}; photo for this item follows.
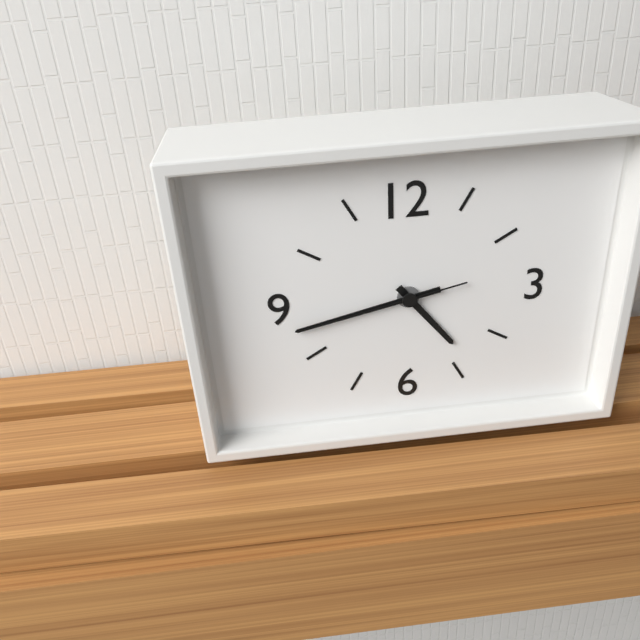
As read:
{"hour": 4, "minute": 43, "second": 43}
